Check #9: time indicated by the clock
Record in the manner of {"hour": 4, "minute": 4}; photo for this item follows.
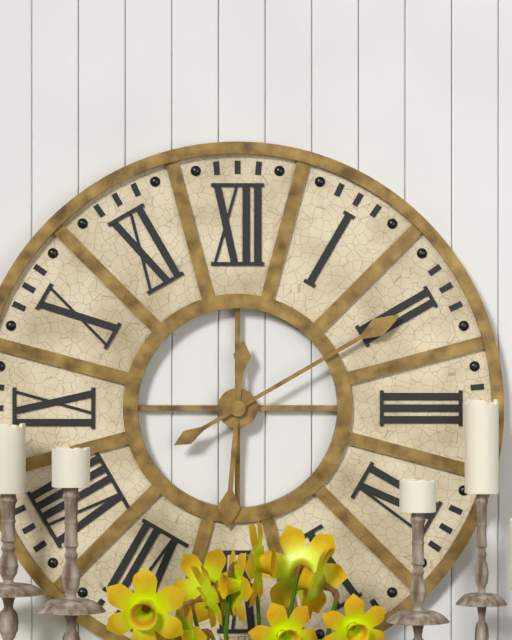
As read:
{"hour": 6, "minute": 10}
